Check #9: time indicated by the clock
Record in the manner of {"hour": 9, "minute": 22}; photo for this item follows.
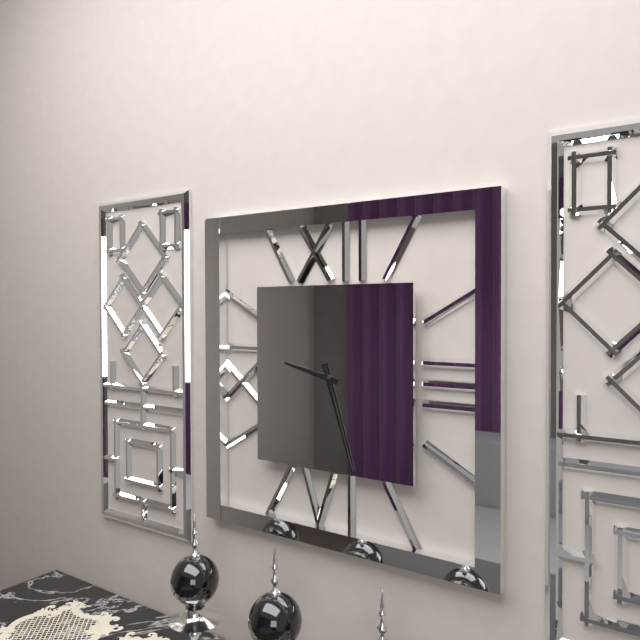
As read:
{"hour": 9, "minute": 27}
